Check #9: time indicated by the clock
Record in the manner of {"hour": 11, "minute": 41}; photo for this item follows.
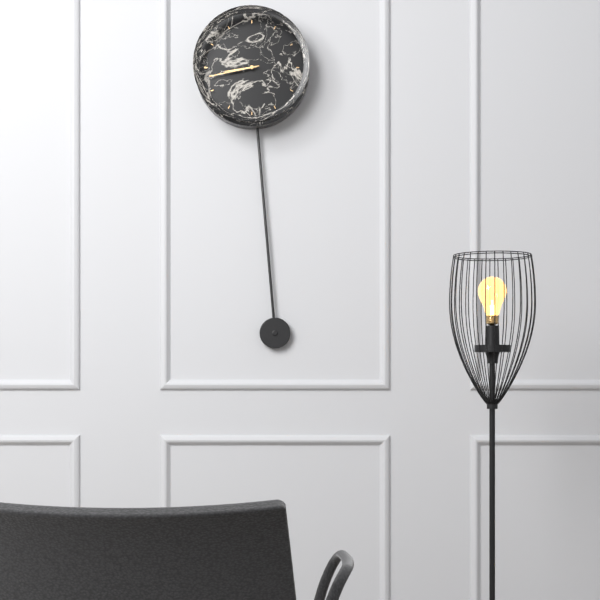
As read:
{"hour": 8, "minute": 43}
